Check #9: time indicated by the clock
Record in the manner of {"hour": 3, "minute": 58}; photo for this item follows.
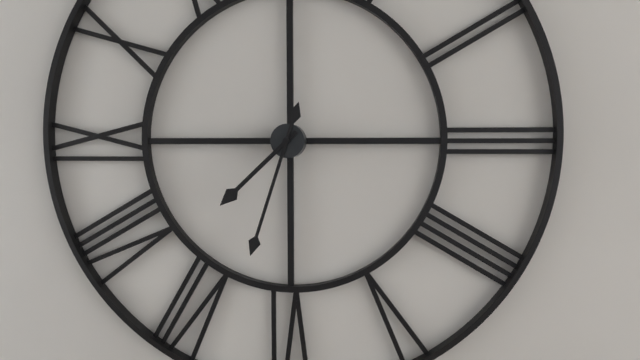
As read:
{"hour": 7, "minute": 33}
